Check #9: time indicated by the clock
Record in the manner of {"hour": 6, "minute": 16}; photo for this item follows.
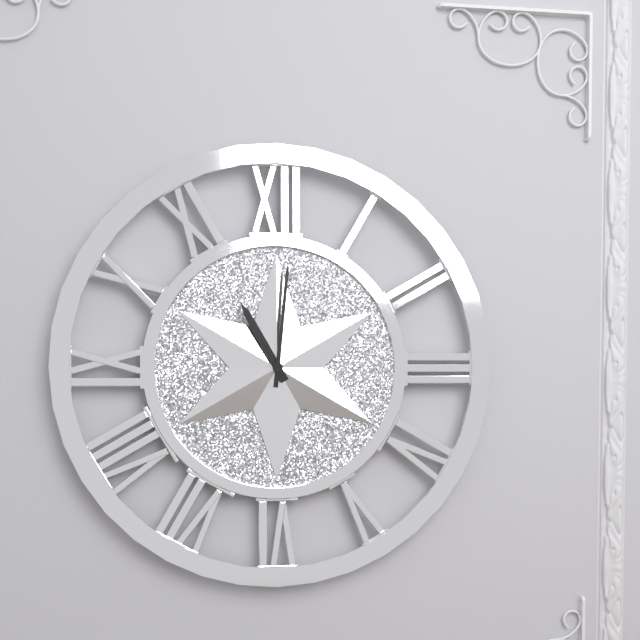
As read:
{"hour": 11, "minute": 1}
